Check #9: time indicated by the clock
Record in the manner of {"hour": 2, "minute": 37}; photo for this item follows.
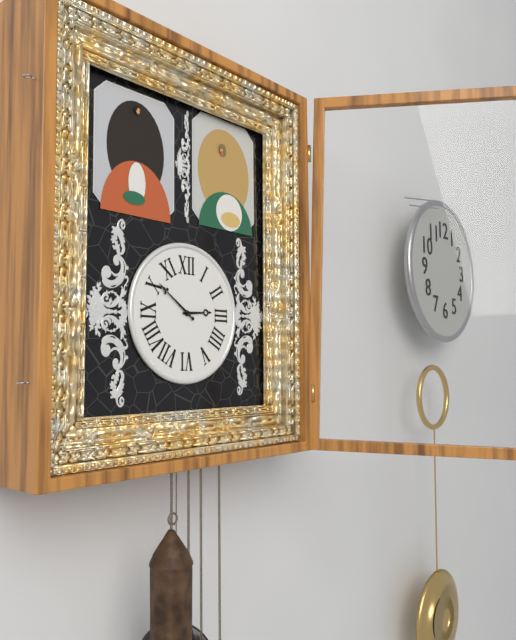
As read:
{"hour": 2, "minute": 51}
